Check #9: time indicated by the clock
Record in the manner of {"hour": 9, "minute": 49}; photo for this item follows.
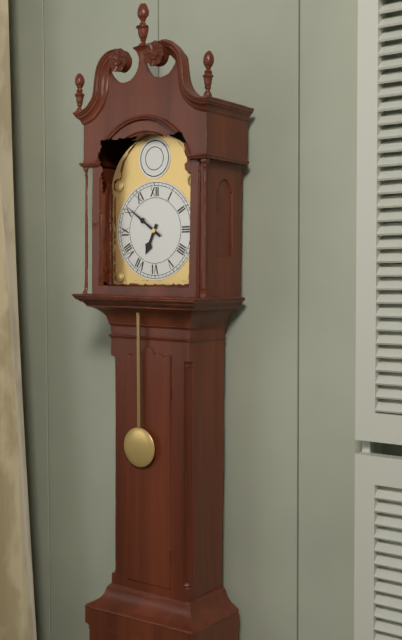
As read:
{"hour": 6, "minute": 51}
